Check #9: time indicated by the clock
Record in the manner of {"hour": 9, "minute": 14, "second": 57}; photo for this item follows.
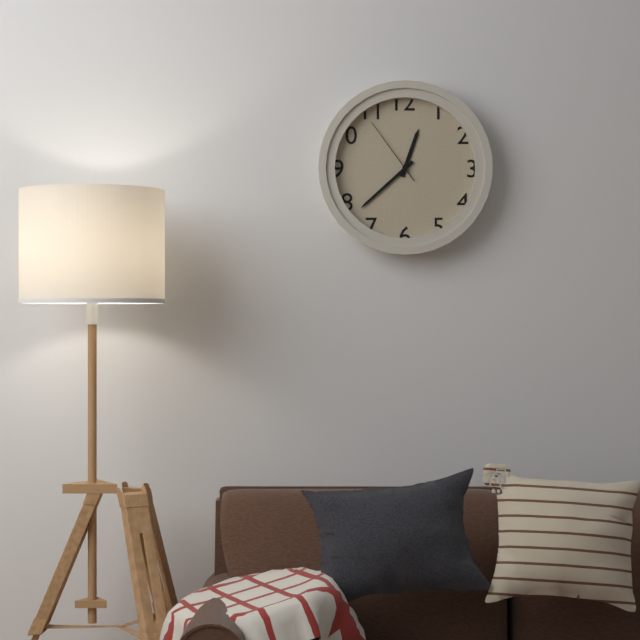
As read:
{"hour": 12, "minute": 38, "second": 54}
